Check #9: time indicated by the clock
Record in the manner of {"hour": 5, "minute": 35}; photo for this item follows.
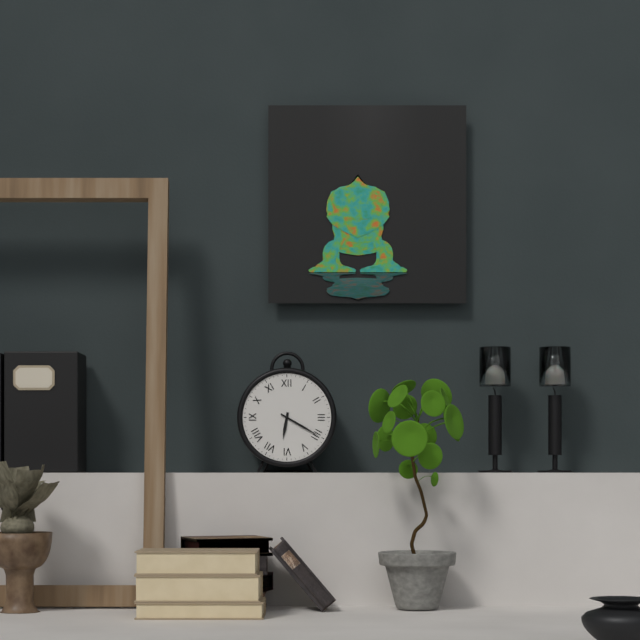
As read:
{"hour": 6, "minute": 20}
